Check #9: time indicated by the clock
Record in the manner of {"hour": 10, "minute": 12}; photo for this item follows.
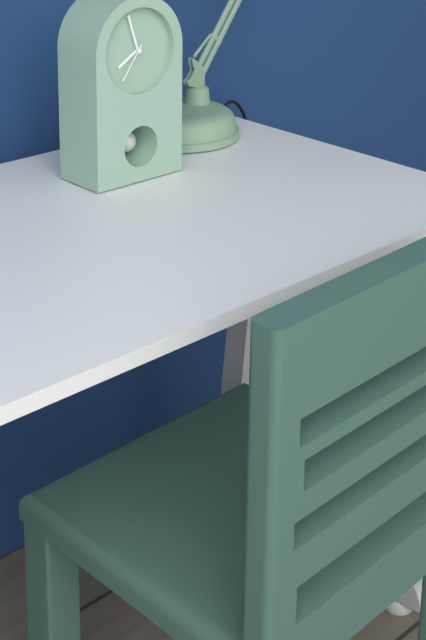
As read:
{"hour": 7, "minute": 57}
